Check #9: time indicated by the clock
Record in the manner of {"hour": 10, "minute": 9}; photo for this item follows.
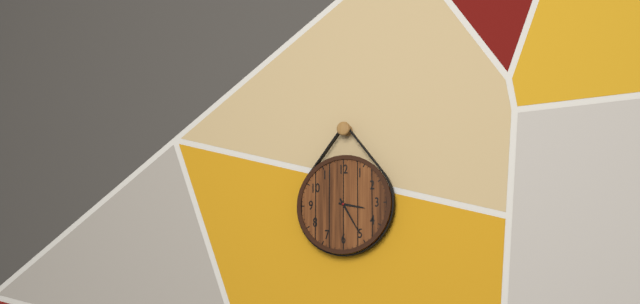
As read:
{"hour": 3, "minute": 25}
